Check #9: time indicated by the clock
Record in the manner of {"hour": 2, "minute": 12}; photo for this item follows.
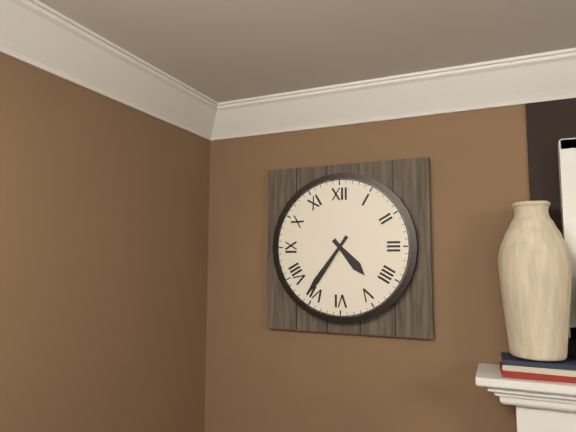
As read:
{"hour": 4, "minute": 36}
